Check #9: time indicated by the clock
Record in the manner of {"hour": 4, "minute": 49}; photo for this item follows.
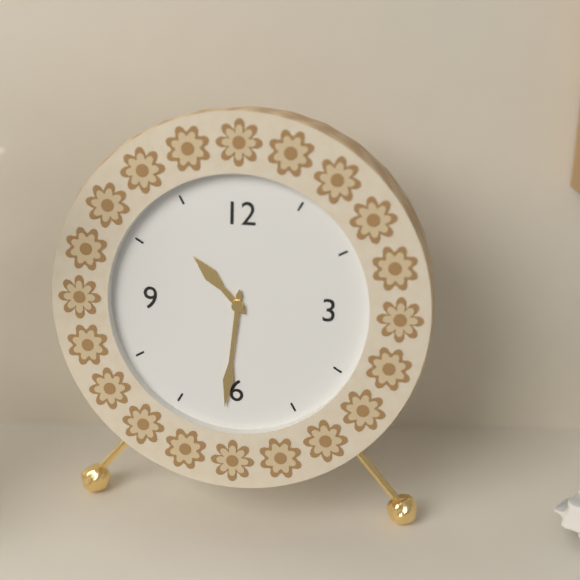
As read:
{"hour": 10, "minute": 31}
